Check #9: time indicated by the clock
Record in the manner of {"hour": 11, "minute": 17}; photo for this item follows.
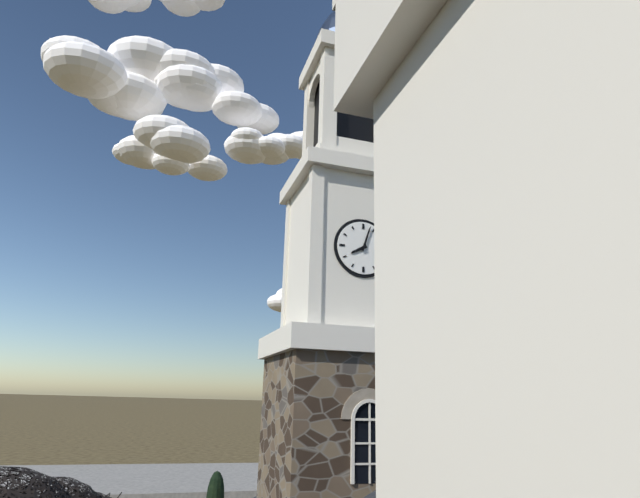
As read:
{"hour": 8, "minute": 3}
